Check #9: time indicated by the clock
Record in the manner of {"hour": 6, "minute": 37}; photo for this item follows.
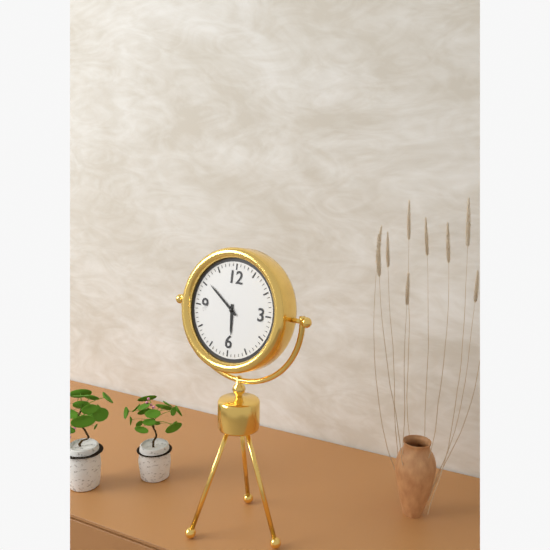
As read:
{"hour": 5, "minute": 51}
